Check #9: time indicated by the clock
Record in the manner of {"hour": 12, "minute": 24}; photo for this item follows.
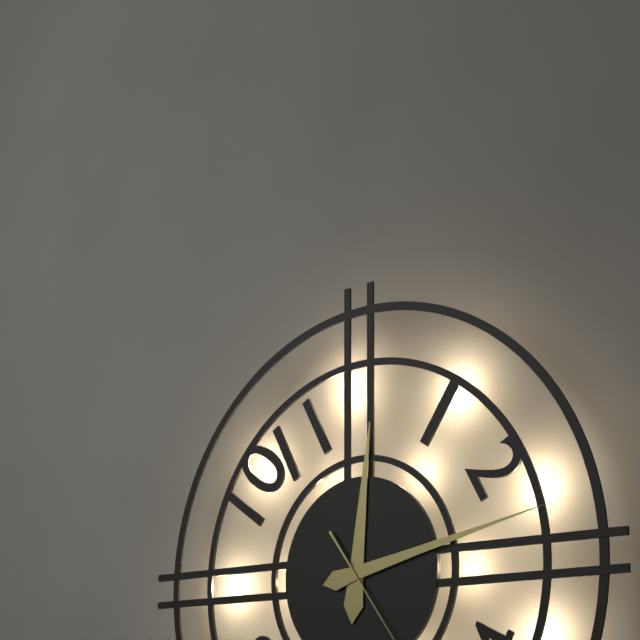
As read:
{"hour": 12, "minute": 13}
